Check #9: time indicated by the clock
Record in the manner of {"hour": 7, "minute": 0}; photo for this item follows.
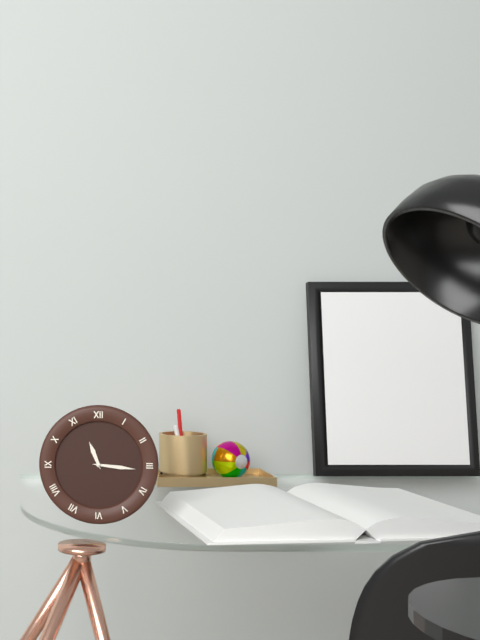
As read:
{"hour": 11, "minute": 16}
